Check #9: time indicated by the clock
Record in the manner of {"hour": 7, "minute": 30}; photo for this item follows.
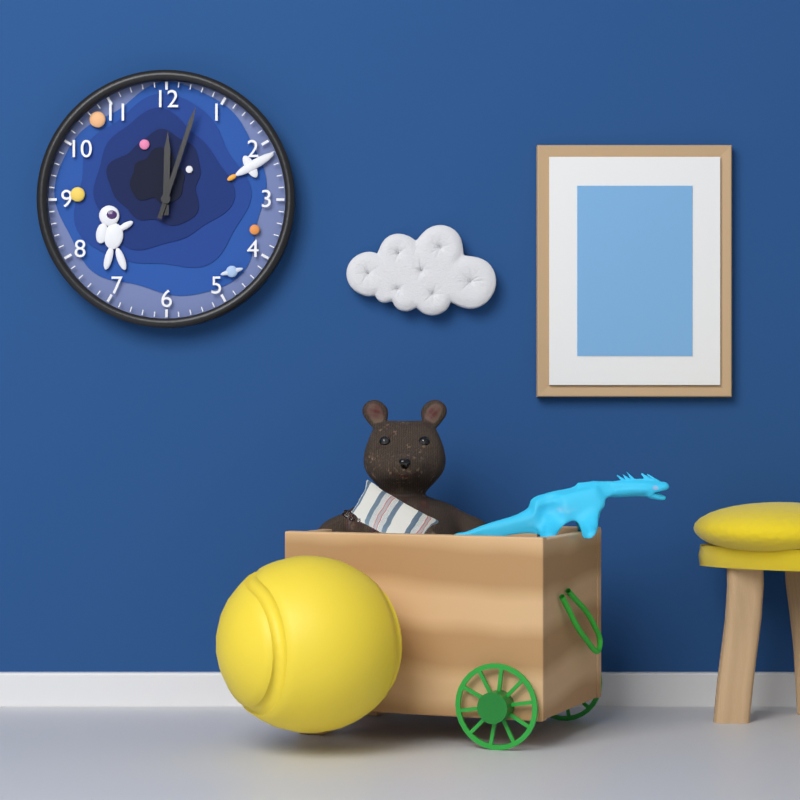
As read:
{"hour": 12, "minute": 3}
